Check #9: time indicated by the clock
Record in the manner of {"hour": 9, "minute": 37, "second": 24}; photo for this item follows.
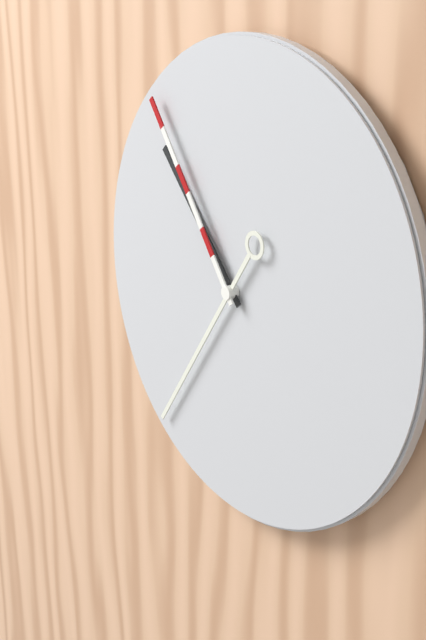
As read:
{"hour": 10, "minute": 36, "second": 54}
